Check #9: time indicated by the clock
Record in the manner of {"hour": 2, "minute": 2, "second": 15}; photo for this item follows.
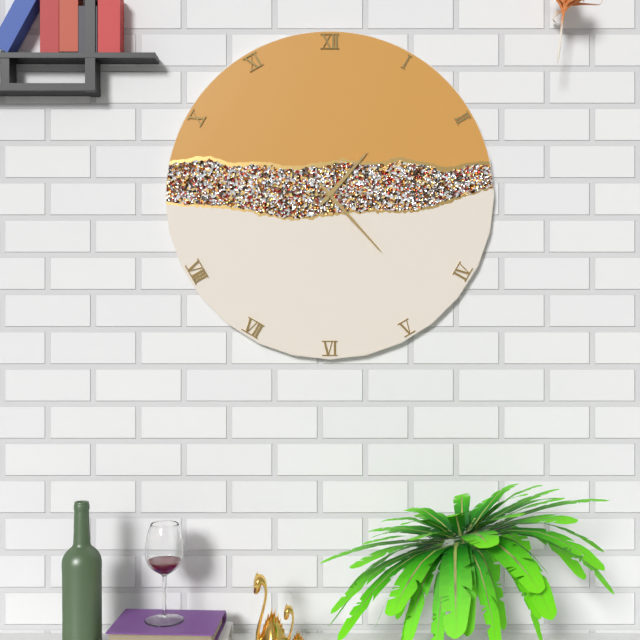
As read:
{"hour": 1, "minute": 23, "second": 15}
